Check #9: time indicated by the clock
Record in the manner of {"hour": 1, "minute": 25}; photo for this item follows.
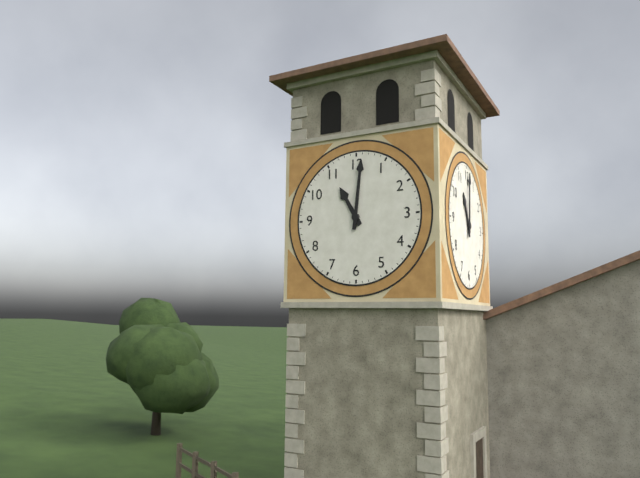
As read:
{"hour": 11, "minute": 1}
